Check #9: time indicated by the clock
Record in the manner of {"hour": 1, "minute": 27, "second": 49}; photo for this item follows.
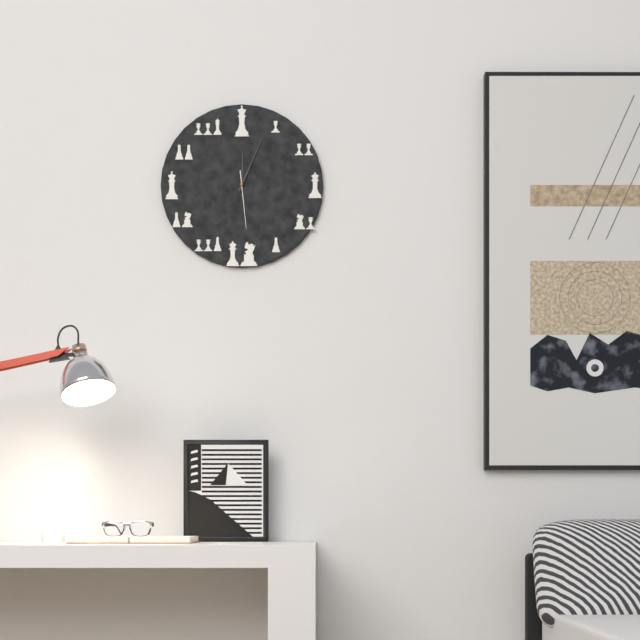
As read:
{"hour": 12, "minute": 4, "second": 29}
